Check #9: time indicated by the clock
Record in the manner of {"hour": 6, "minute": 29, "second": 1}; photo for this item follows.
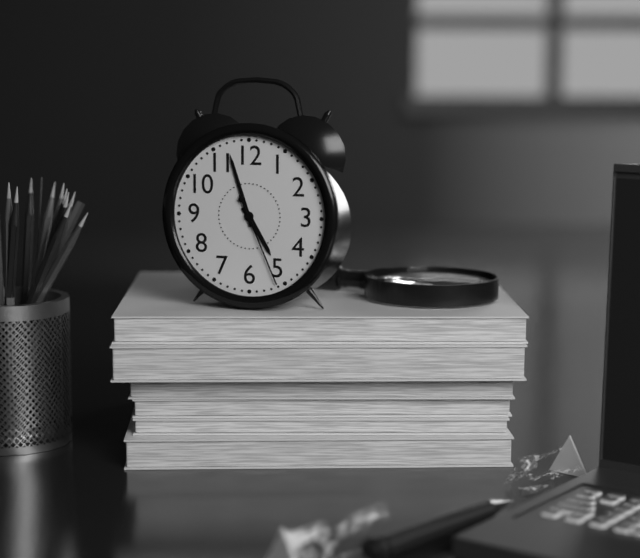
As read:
{"hour": 4, "minute": 57, "second": 26}
